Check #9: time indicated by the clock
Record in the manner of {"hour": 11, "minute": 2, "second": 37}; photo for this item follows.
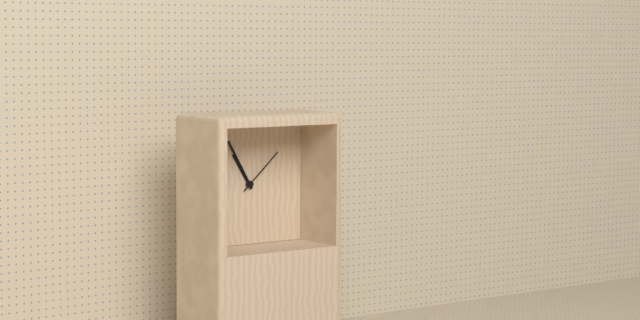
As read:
{"hour": 10, "minute": 55, "second": 8}
